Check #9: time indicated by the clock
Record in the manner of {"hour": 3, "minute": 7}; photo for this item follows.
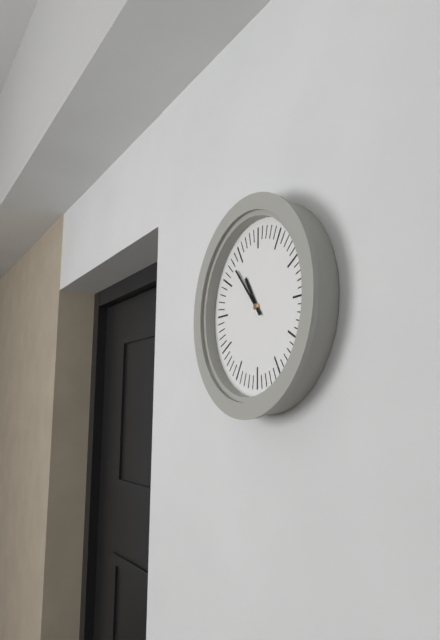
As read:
{"hour": 10, "minute": 53}
